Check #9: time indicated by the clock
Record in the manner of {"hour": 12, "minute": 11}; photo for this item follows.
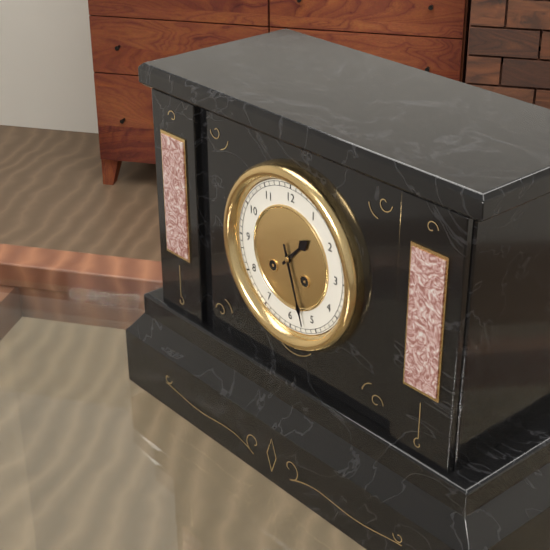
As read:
{"hour": 1, "minute": 27}
